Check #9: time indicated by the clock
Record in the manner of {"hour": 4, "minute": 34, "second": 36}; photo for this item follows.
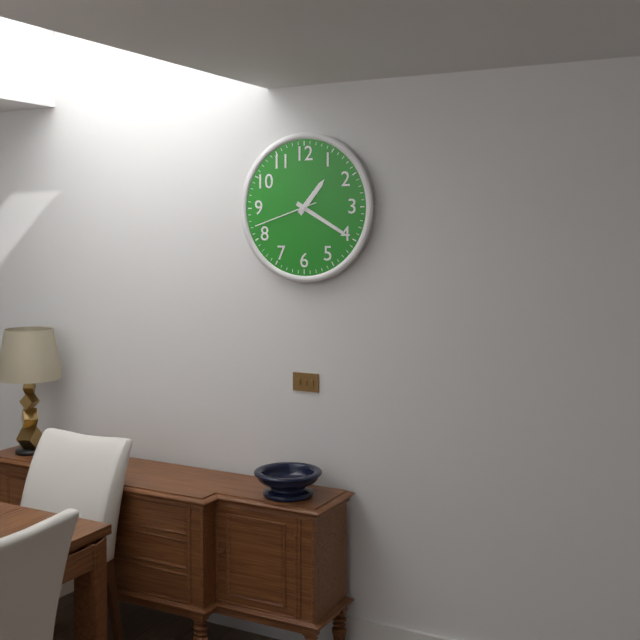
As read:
{"hour": 1, "minute": 20, "second": 42}
